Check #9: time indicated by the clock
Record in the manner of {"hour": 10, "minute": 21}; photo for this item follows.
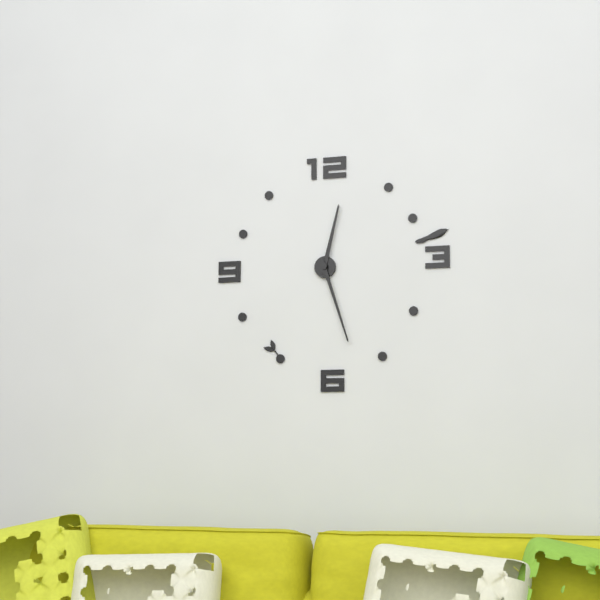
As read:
{"hour": 12, "minute": 27}
